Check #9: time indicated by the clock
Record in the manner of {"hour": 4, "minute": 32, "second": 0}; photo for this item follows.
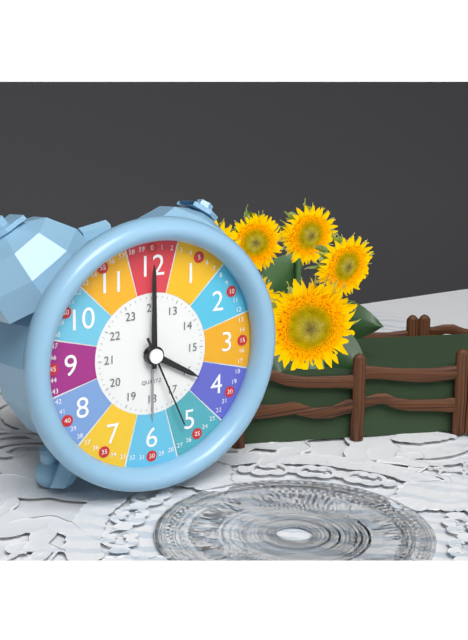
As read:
{"hour": 4, "minute": 0, "second": 26}
